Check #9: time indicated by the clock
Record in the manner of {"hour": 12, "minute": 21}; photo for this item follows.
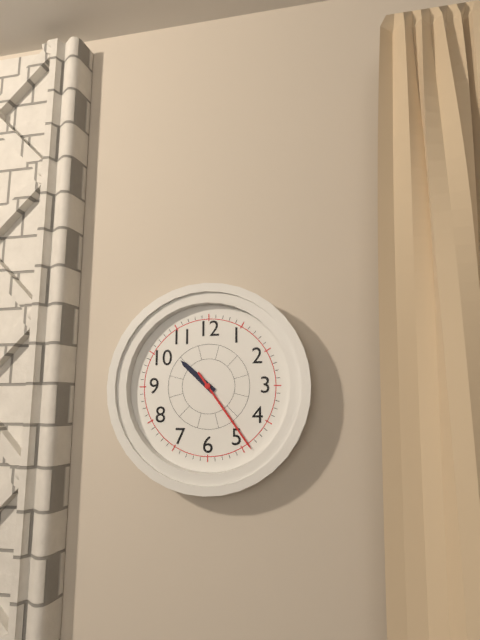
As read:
{"hour": 10, "minute": 24}
